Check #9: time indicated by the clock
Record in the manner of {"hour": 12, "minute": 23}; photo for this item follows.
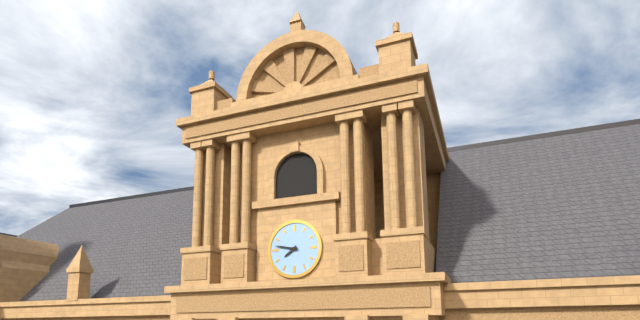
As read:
{"hour": 7, "minute": 47}
